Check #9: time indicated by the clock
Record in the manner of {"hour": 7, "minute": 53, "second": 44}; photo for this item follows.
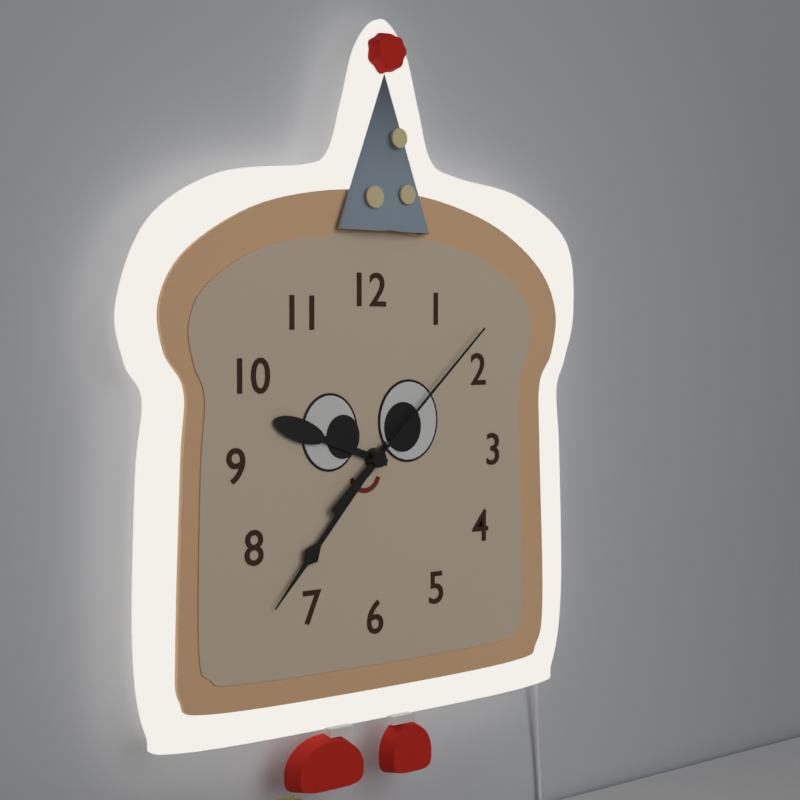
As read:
{"hour": 9, "minute": 37, "second": 8}
